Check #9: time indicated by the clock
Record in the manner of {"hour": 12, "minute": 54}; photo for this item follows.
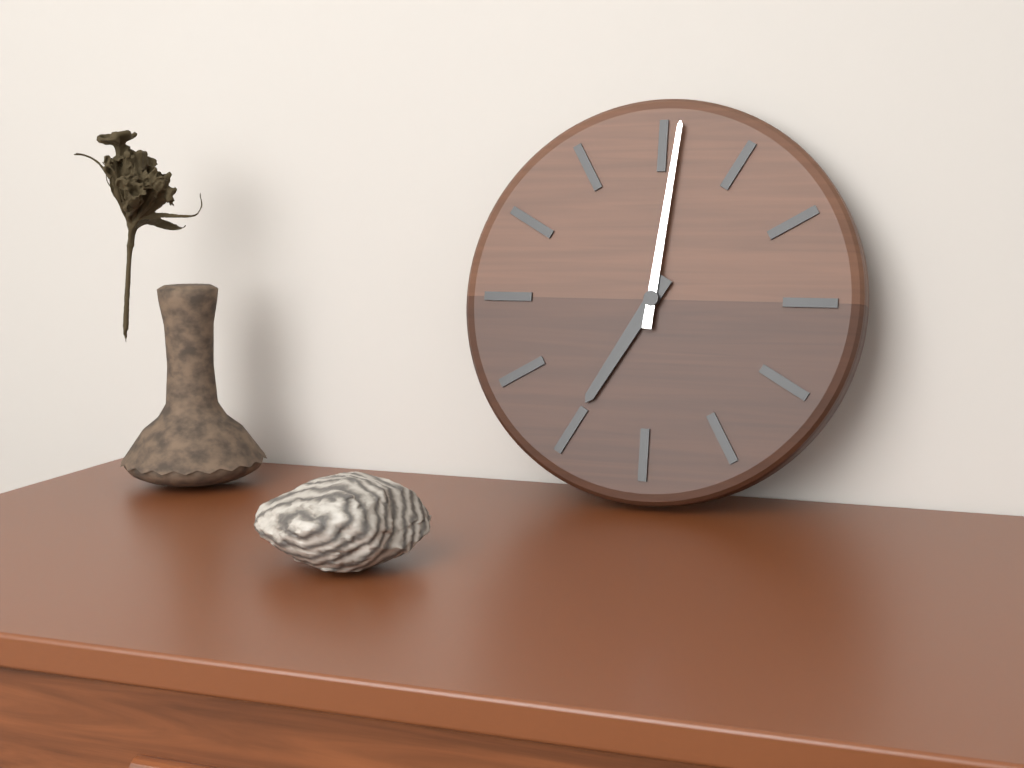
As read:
{"hour": 7, "minute": 1}
